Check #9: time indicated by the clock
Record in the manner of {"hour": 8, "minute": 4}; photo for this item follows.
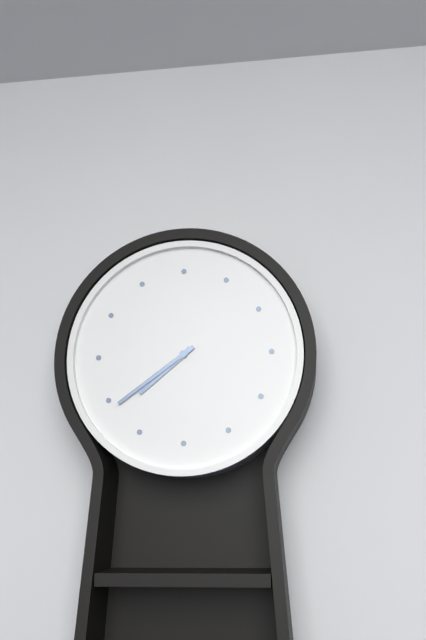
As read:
{"hour": 7, "minute": 39}
